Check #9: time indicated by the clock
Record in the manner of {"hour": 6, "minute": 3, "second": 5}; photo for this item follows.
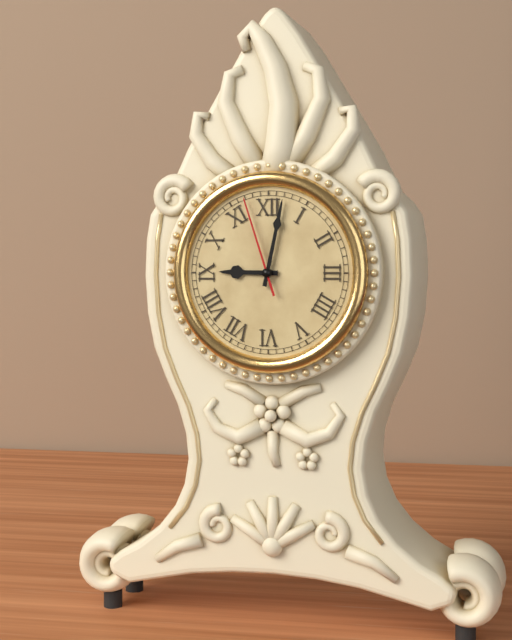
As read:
{"hour": 9, "minute": 2, "second": 57}
